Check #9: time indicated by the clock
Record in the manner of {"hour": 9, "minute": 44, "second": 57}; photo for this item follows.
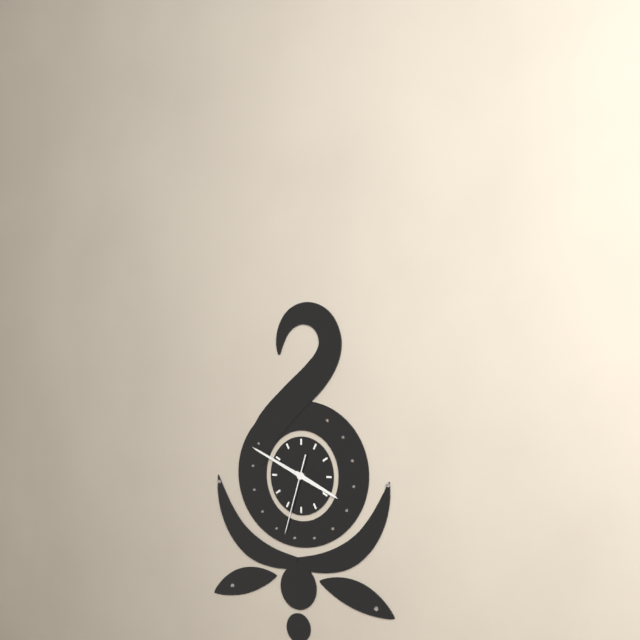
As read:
{"hour": 3, "minute": 49, "second": 33}
